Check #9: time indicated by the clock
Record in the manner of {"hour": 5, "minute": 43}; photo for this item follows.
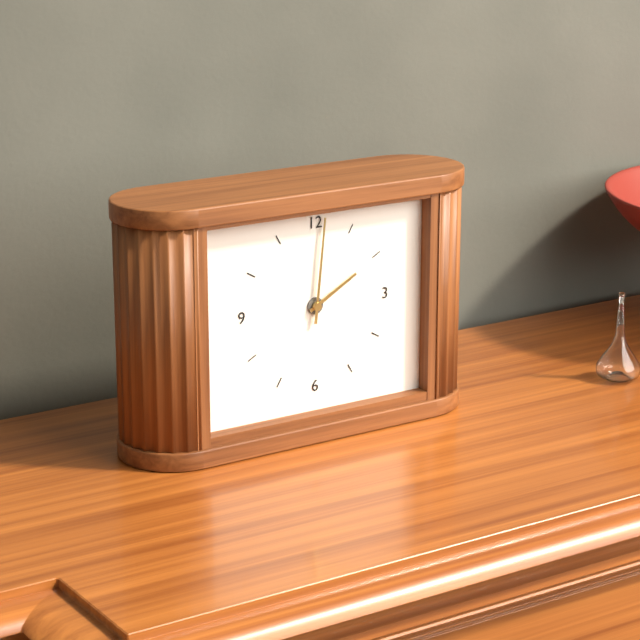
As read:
{"hour": 2, "minute": 1}
